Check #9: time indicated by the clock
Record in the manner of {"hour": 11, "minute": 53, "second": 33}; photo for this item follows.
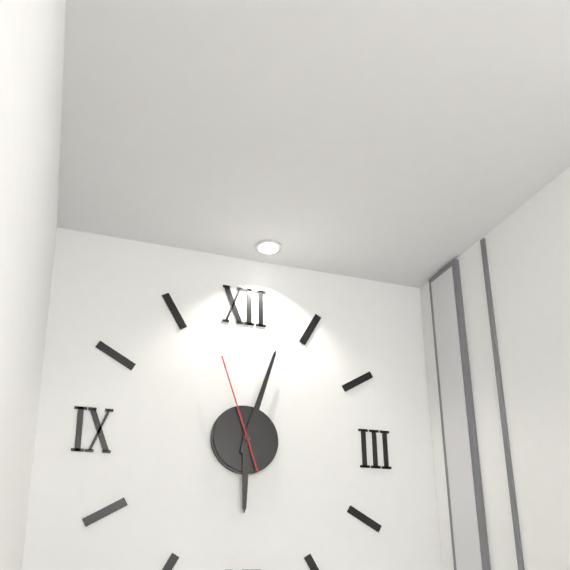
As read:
{"hour": 6, "minute": 3, "second": 57}
